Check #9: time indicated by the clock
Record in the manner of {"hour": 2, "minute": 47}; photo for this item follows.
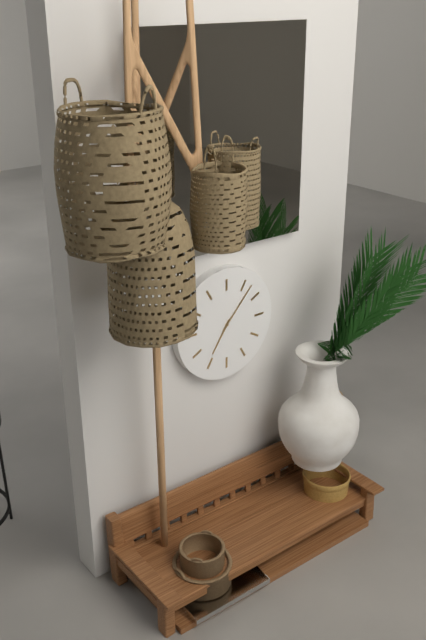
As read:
{"hour": 7, "minute": 7}
